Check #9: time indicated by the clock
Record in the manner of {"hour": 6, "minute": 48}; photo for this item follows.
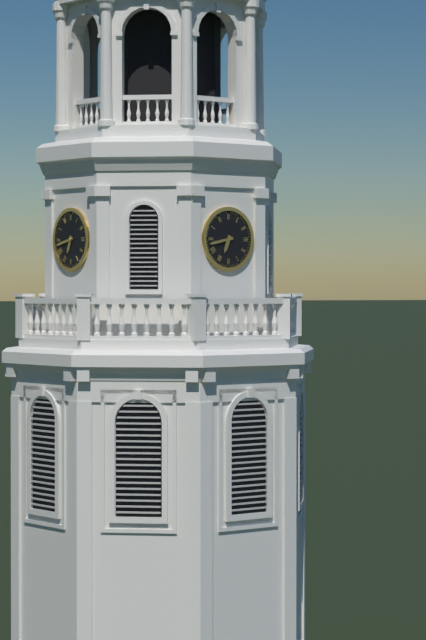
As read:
{"hour": 6, "minute": 43}
